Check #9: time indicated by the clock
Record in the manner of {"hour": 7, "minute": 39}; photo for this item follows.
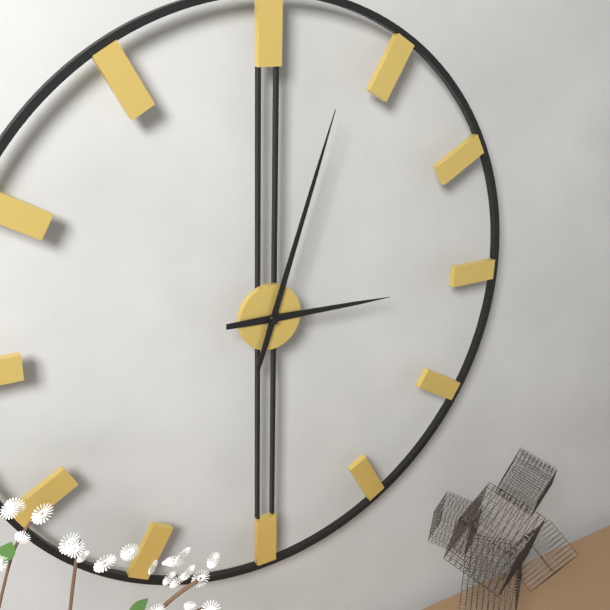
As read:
{"hour": 3, "minute": 3}
